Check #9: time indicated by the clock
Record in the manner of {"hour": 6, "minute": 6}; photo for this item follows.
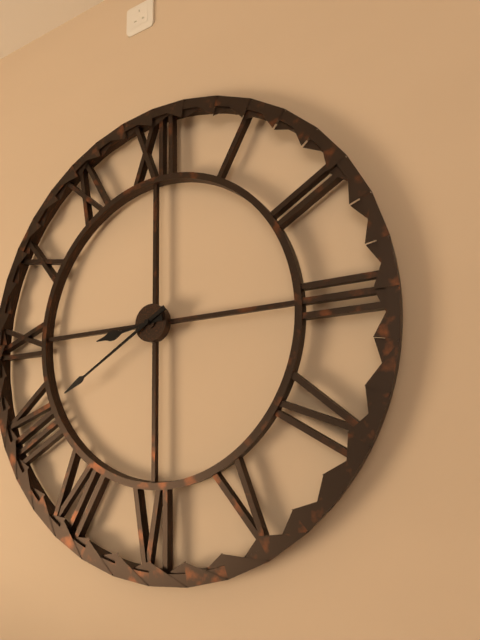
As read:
{"hour": 8, "minute": 40}
